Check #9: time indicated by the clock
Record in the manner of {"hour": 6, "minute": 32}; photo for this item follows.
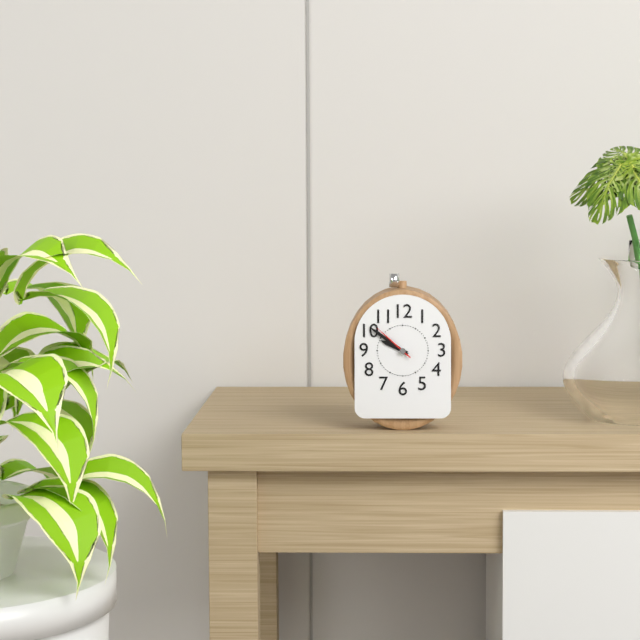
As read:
{"hour": 9, "minute": 51}
